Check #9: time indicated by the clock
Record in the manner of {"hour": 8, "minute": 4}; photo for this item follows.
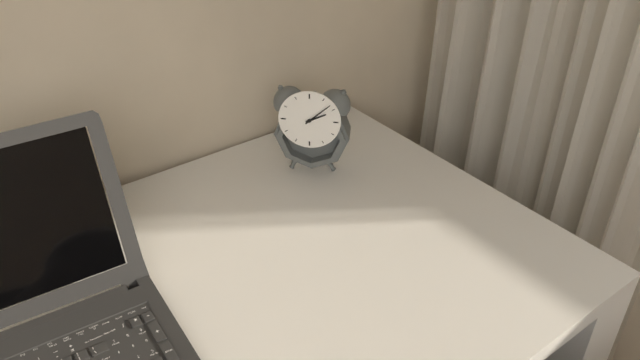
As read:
{"hour": 2, "minute": 8}
